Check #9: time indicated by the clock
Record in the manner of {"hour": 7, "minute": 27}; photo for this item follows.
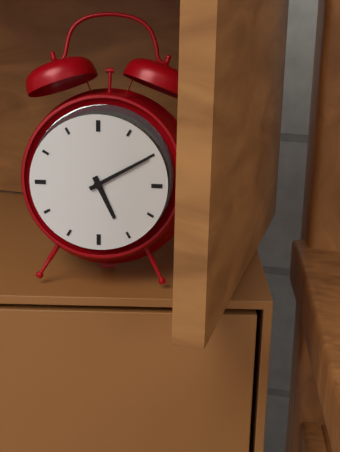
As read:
{"hour": 5, "minute": 10}
